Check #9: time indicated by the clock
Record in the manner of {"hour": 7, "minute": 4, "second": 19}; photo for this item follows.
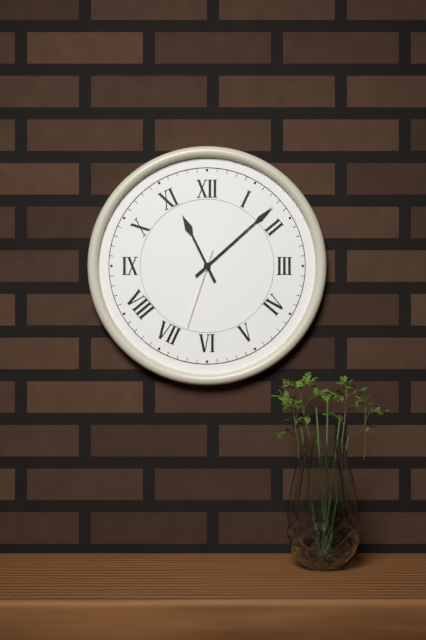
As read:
{"hour": 11, "minute": 8, "second": 33}
